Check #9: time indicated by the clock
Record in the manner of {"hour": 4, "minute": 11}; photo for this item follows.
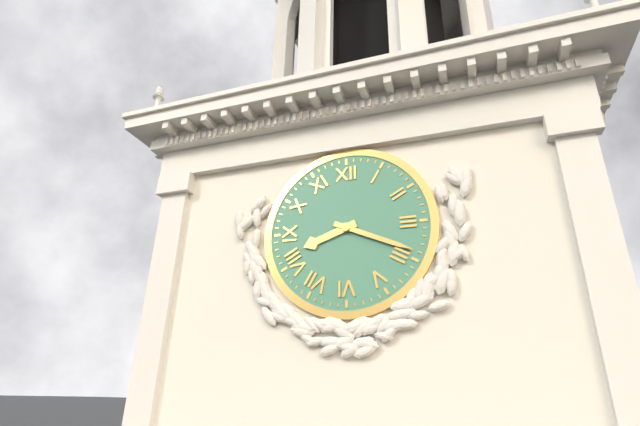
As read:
{"hour": 8, "minute": 19}
